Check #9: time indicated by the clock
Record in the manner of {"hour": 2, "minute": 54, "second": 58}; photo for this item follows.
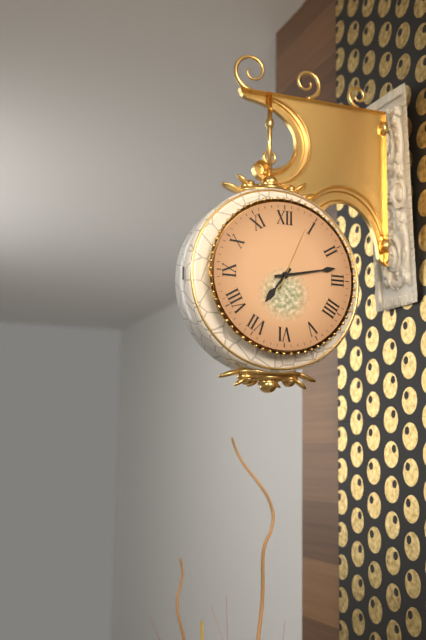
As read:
{"hour": 7, "minute": 13, "second": 4}
